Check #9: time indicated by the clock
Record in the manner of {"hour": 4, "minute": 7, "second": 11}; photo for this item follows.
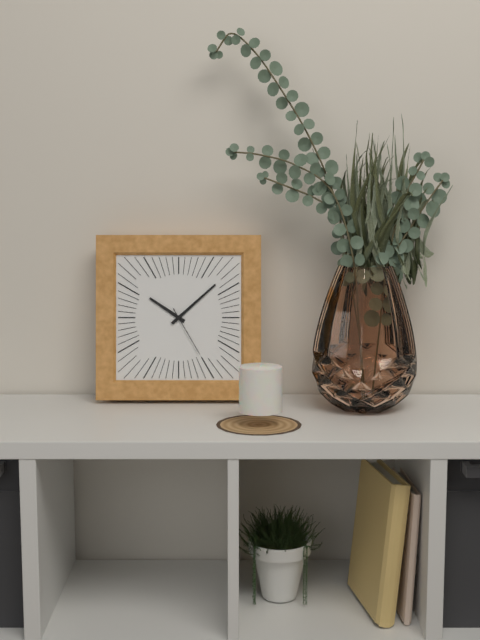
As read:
{"hour": 10, "minute": 8, "second": 25}
